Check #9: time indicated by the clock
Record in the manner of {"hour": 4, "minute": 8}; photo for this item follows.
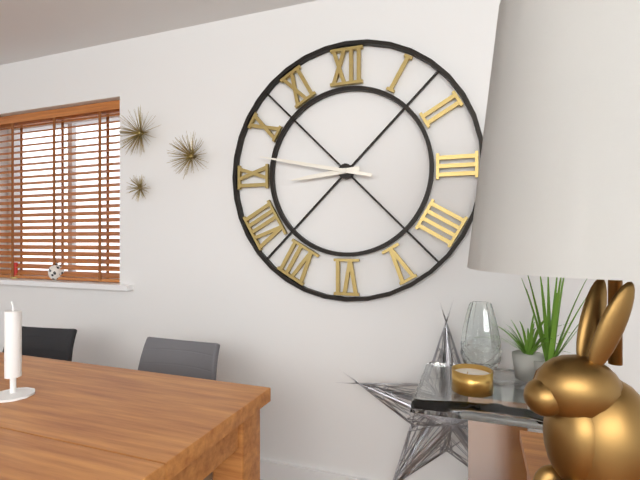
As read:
{"hour": 8, "minute": 47}
